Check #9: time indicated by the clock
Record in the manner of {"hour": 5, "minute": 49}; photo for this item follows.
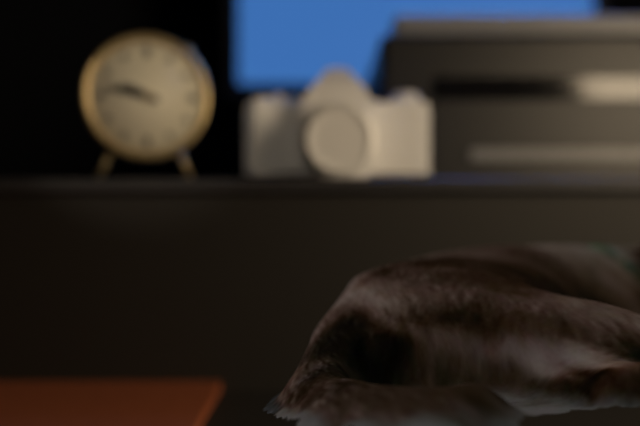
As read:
{"hour": 9, "minute": 47}
